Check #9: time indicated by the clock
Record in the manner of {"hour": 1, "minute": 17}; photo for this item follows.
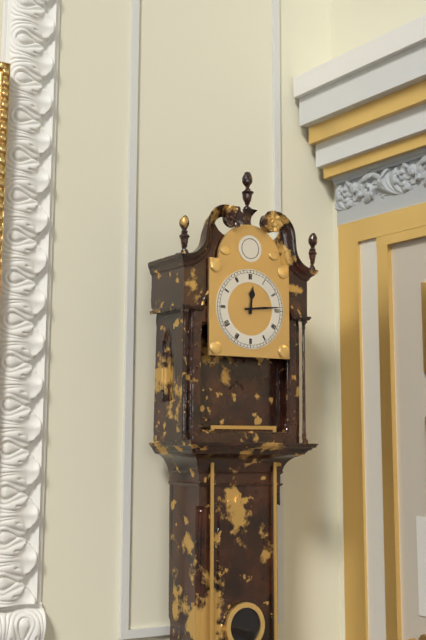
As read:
{"hour": 12, "minute": 14}
